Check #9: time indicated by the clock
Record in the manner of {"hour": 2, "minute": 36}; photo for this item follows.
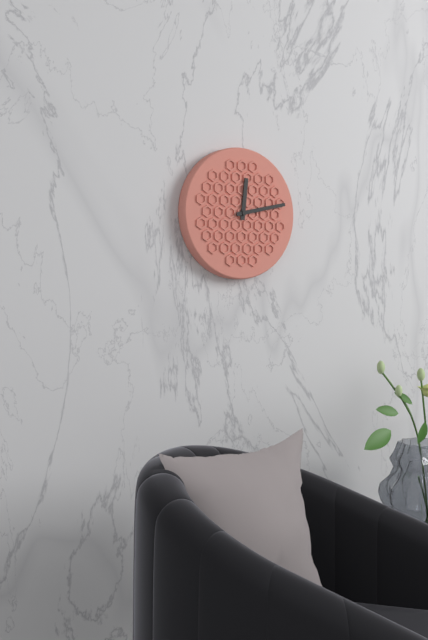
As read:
{"hour": 12, "minute": 13}
